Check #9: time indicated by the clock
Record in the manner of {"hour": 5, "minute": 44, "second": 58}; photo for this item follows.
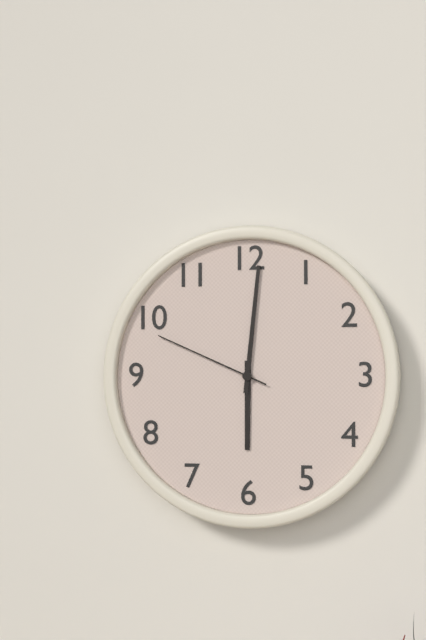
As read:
{"hour": 6, "minute": 1, "second": 49}
